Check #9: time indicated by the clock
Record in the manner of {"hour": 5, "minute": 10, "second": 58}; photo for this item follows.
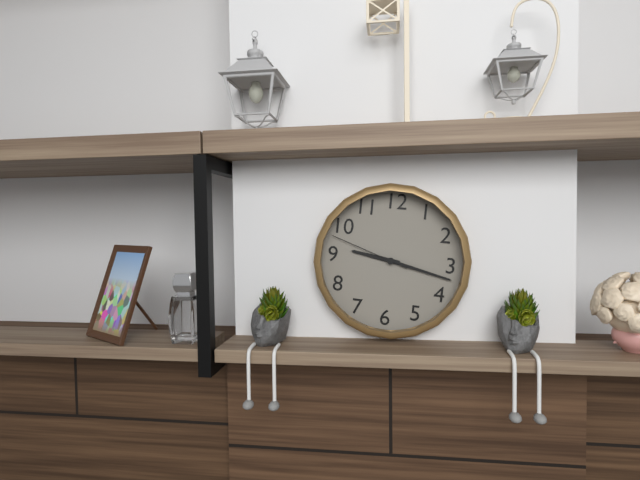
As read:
{"hour": 9, "minute": 17, "second": 48}
